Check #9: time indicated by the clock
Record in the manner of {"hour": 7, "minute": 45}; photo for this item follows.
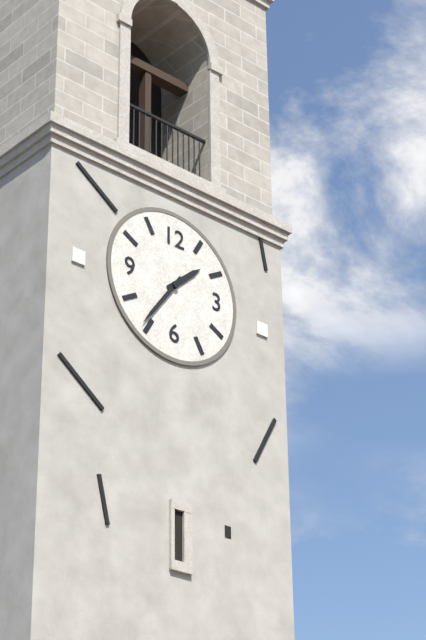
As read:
{"hour": 1, "minute": 36}
